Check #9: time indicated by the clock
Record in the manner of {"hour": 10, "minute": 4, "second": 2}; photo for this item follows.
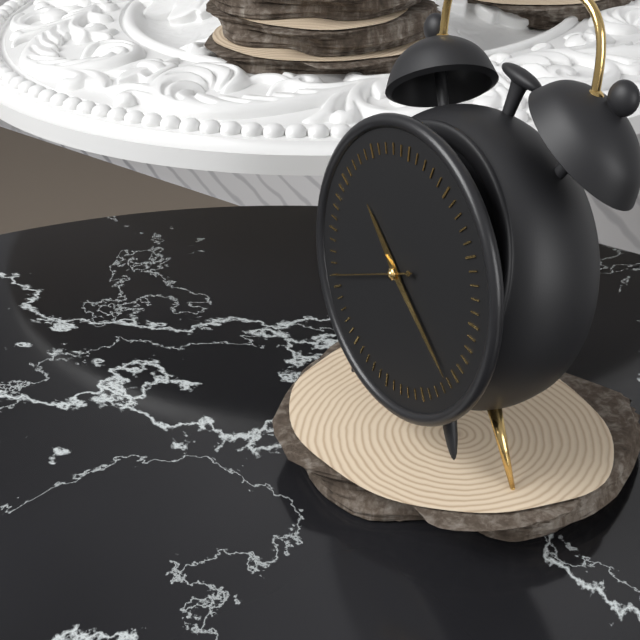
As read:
{"hour": 10, "minute": 21, "second": 41}
